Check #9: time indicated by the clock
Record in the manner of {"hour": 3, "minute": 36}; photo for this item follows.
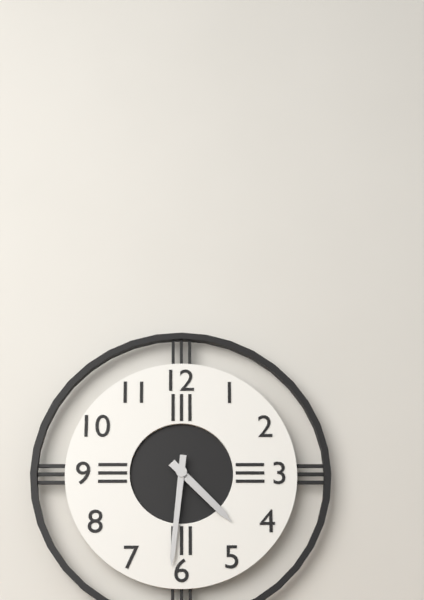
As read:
{"hour": 4, "minute": 31}
